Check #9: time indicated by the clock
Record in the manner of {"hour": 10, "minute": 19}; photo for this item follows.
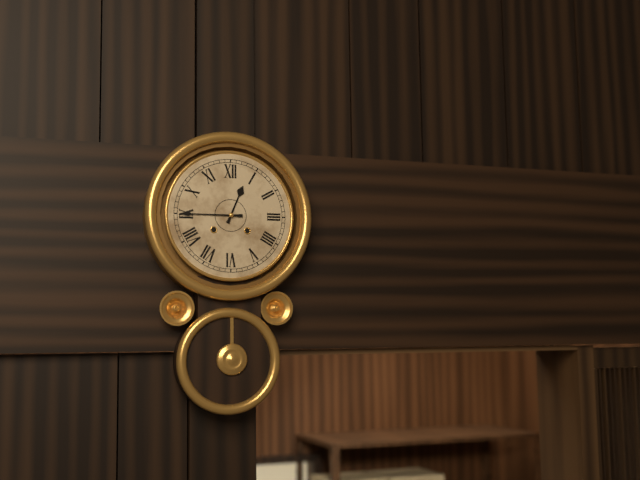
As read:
{"hour": 12, "minute": 45}
